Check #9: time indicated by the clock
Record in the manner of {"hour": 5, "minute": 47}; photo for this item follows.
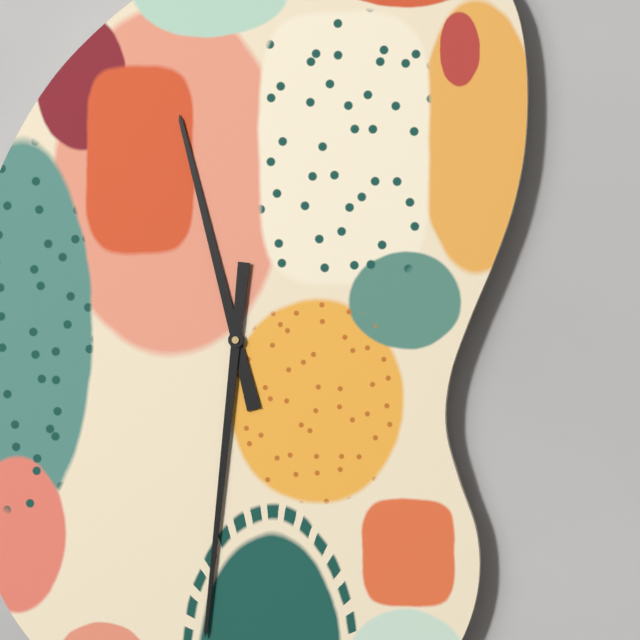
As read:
{"hour": 11, "minute": 31}
